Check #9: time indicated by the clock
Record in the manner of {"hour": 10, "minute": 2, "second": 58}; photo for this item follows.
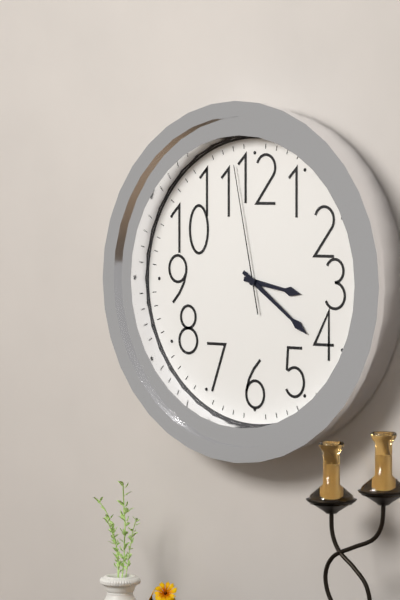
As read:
{"hour": 3, "minute": 21, "second": 58}
